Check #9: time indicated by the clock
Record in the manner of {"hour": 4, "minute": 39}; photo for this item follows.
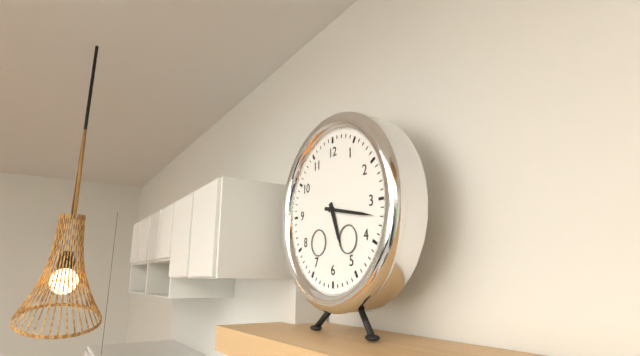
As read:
{"hour": 5, "minute": 17}
